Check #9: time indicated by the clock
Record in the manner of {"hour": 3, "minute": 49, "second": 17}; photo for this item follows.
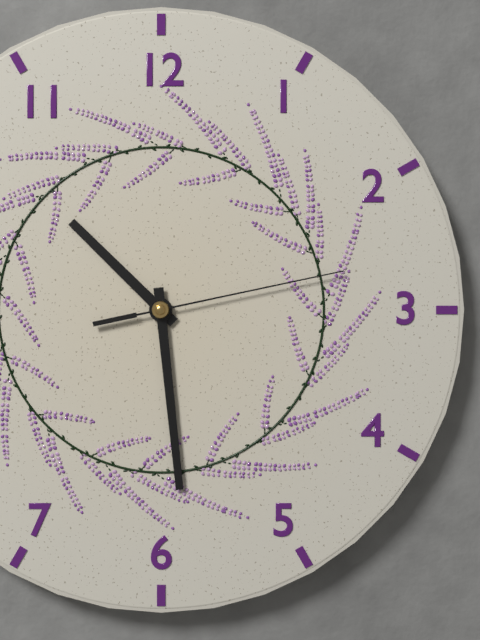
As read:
{"hour": 10, "minute": 29, "second": 13}
